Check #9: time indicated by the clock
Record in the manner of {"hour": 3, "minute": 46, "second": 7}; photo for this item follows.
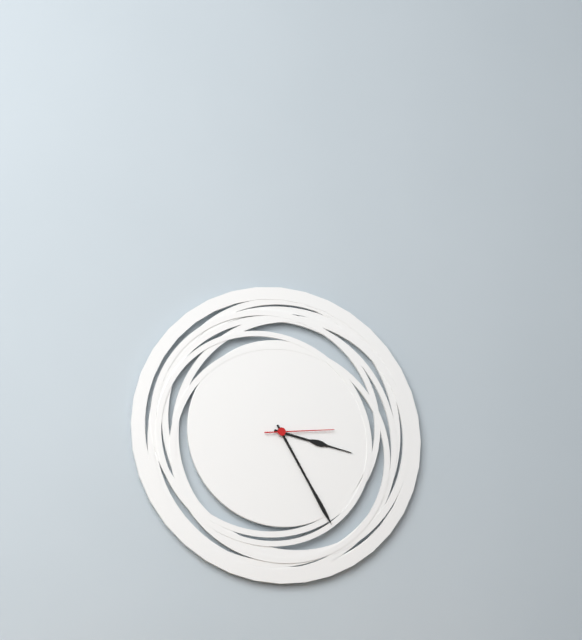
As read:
{"hour": 3, "minute": 25, "second": 14}
